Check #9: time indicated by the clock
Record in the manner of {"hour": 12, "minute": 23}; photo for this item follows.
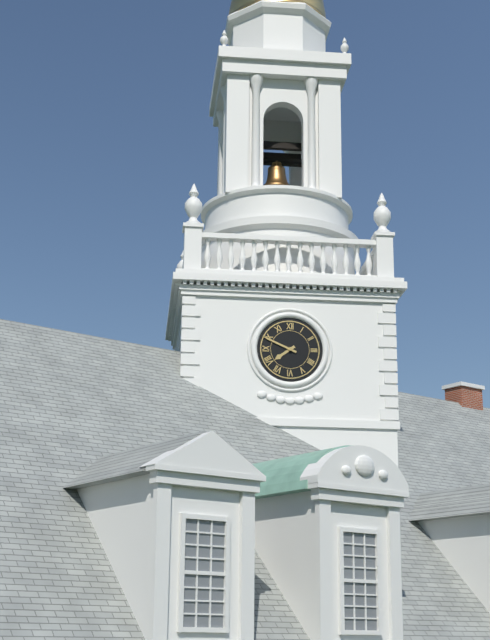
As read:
{"hour": 7, "minute": 49}
